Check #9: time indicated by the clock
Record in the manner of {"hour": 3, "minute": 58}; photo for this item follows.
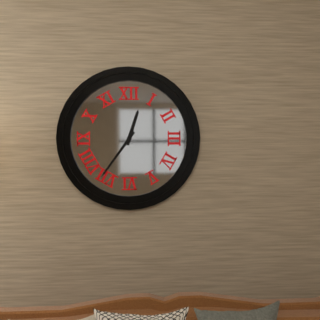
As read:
{"hour": 12, "minute": 36}
